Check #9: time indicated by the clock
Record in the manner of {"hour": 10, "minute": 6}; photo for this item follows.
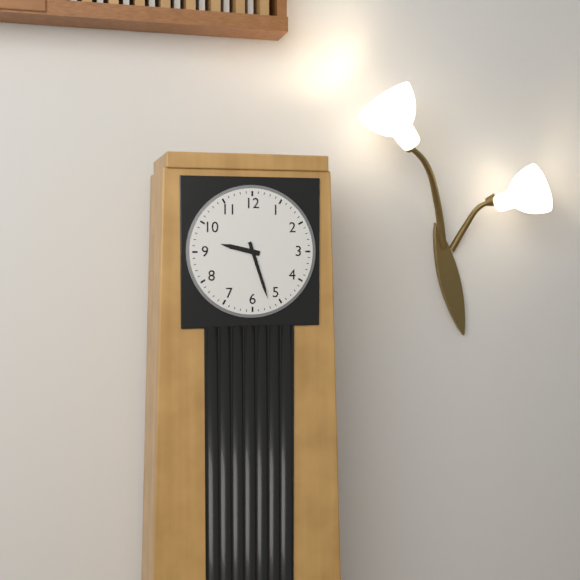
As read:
{"hour": 9, "minute": 27}
